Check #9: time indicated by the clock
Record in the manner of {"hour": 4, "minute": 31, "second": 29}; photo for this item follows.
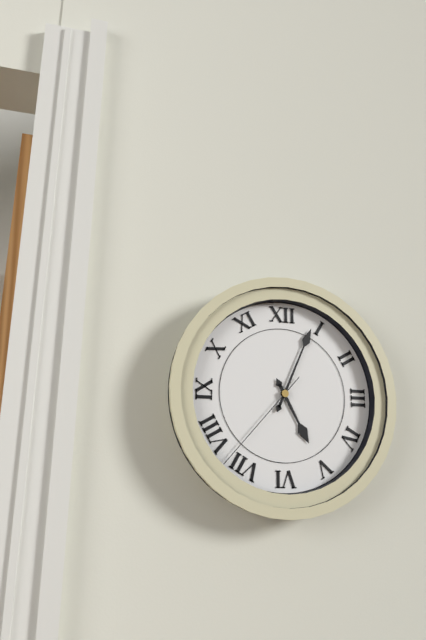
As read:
{"hour": 5, "minute": 4, "second": 37}
